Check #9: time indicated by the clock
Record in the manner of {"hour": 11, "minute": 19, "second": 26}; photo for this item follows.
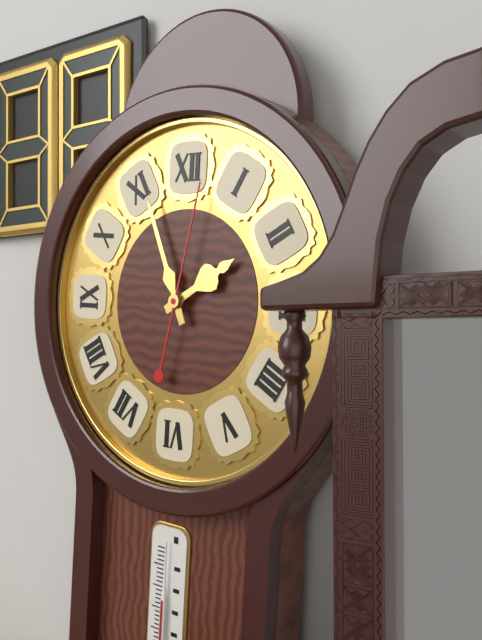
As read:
{"hour": 1, "minute": 56, "second": 2}
